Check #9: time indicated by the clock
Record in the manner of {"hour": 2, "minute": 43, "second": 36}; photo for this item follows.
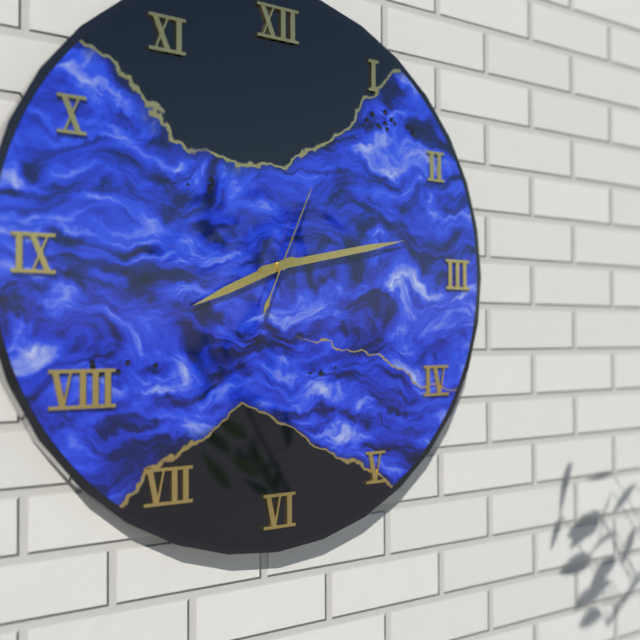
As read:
{"hour": 8, "minute": 13, "second": 4}
